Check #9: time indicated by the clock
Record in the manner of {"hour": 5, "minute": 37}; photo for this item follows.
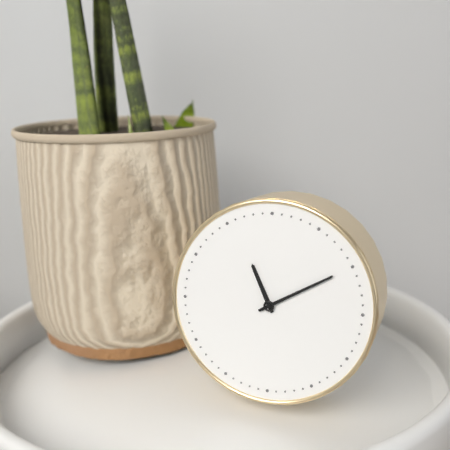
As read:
{"hour": 11, "minute": 10}
